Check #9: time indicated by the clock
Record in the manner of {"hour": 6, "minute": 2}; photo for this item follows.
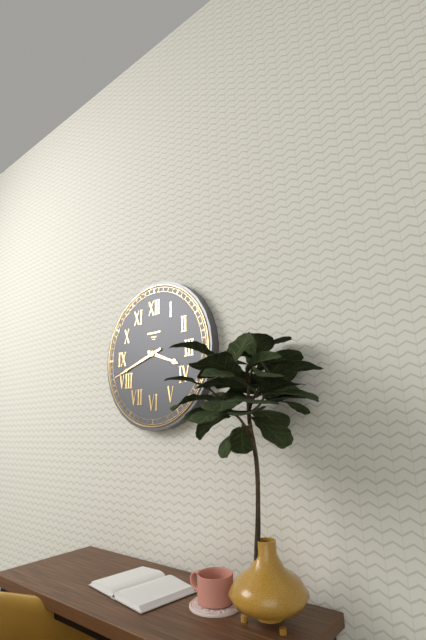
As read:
{"hour": 3, "minute": 42}
